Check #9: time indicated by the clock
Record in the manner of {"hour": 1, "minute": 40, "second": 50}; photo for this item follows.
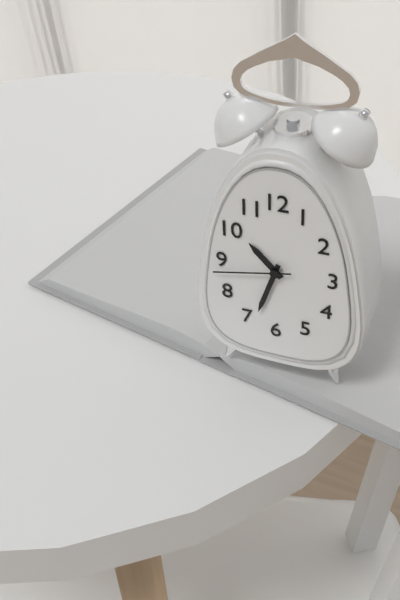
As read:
{"hour": 10, "minute": 33, "second": 43}
